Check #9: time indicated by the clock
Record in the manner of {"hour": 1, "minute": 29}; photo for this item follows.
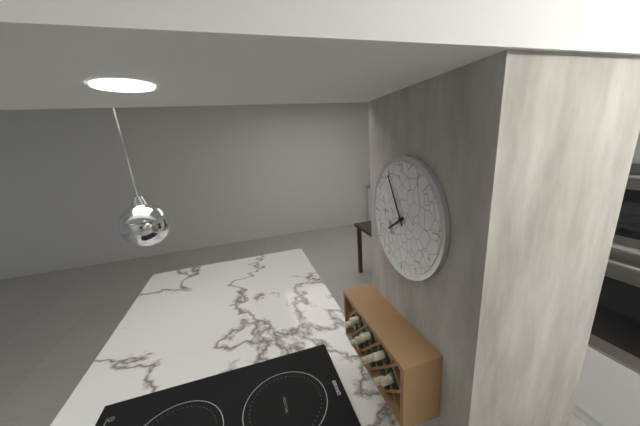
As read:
{"hour": 7, "minute": 55}
